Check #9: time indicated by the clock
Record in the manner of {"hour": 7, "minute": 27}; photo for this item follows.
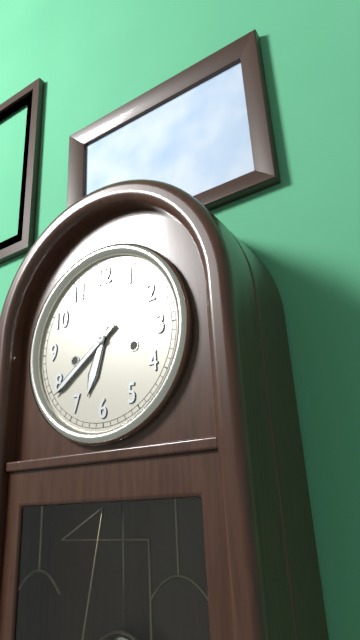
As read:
{"hour": 6, "minute": 39}
